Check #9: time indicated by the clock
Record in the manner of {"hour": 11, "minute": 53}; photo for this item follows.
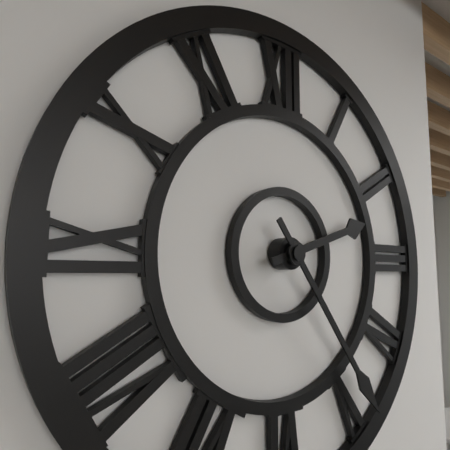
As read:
{"hour": 2, "minute": 24}
